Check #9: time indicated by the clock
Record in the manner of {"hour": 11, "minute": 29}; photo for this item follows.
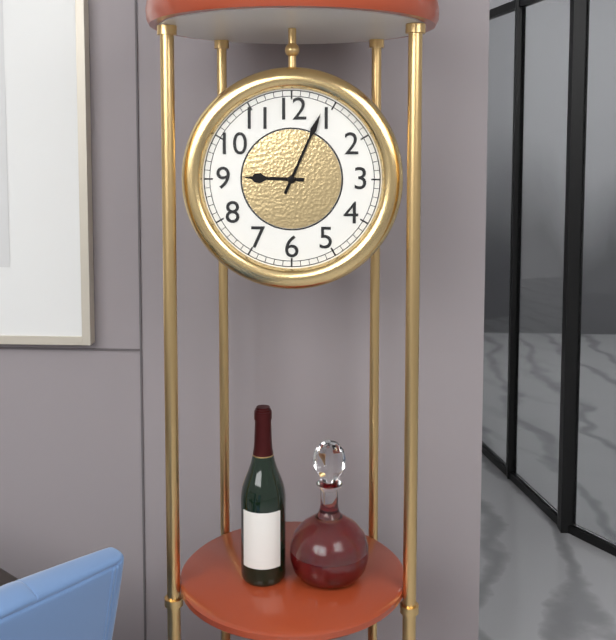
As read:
{"hour": 9, "minute": 4}
